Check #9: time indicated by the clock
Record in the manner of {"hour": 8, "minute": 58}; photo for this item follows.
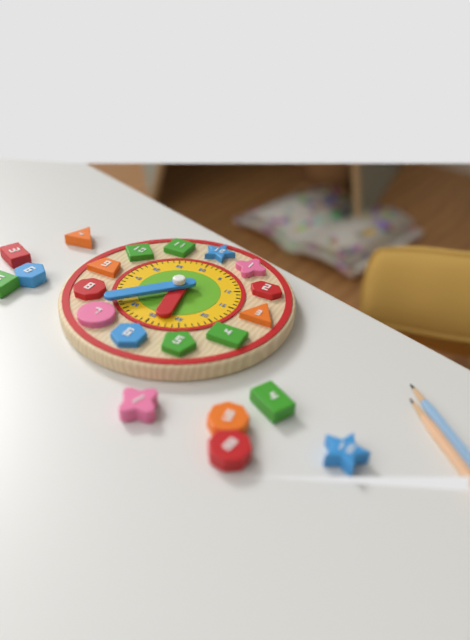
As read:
{"hour": 5, "minute": 37}
